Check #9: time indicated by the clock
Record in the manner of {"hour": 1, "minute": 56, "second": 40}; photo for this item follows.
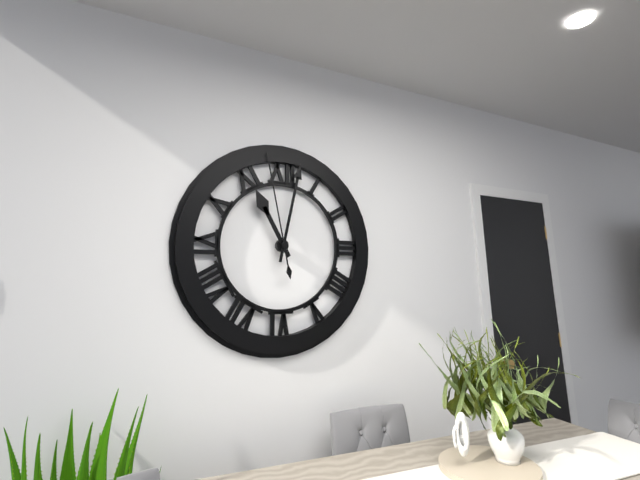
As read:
{"hour": 11, "minute": 2, "second": 58}
